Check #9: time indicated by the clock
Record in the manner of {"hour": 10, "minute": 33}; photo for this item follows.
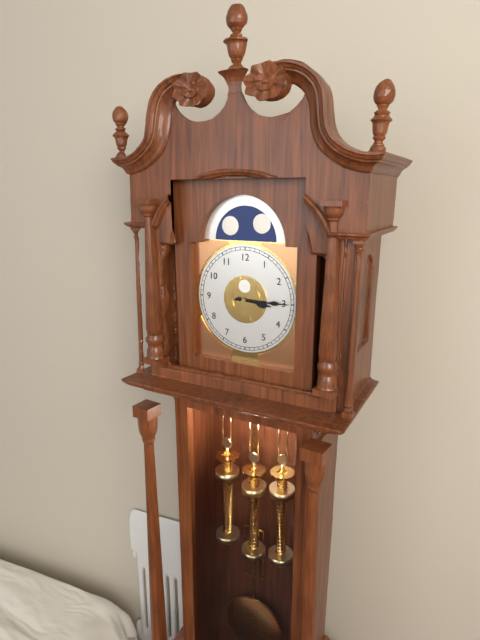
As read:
{"hour": 3, "minute": 15}
